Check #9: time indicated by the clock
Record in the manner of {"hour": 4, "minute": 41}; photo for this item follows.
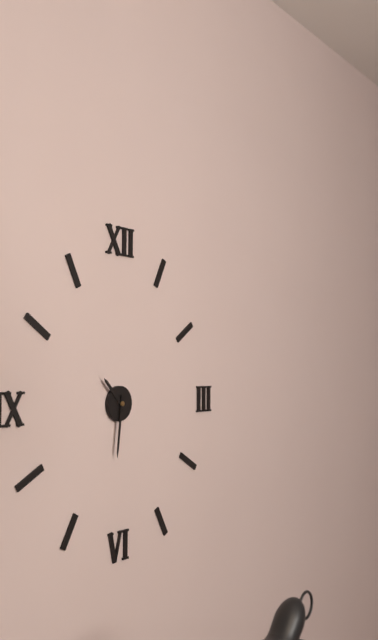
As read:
{"hour": 10, "minute": 31}
